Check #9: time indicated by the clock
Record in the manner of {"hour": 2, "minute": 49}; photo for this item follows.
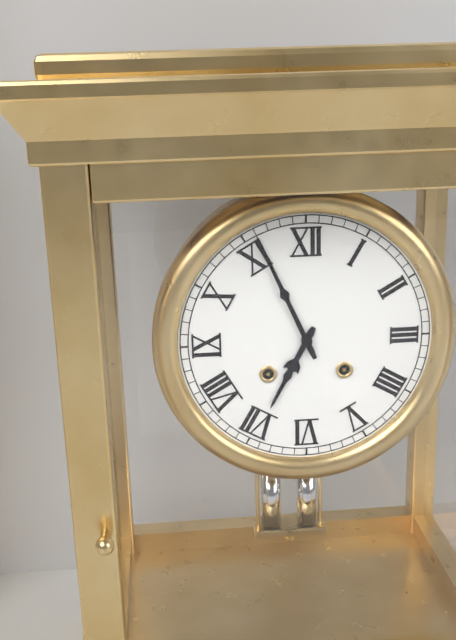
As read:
{"hour": 6, "minute": 56}
